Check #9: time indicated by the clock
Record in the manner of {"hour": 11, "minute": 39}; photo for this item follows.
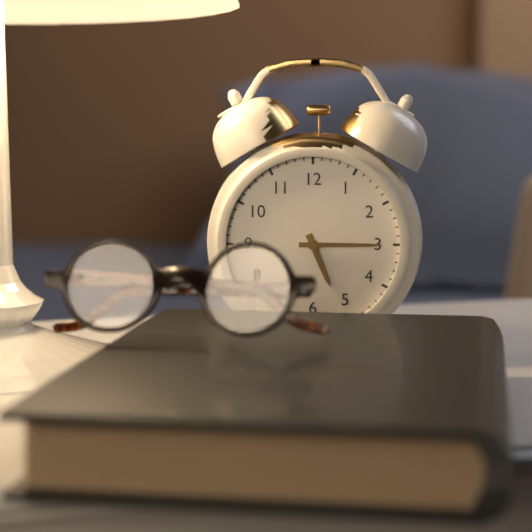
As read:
{"hour": 5, "minute": 15}
